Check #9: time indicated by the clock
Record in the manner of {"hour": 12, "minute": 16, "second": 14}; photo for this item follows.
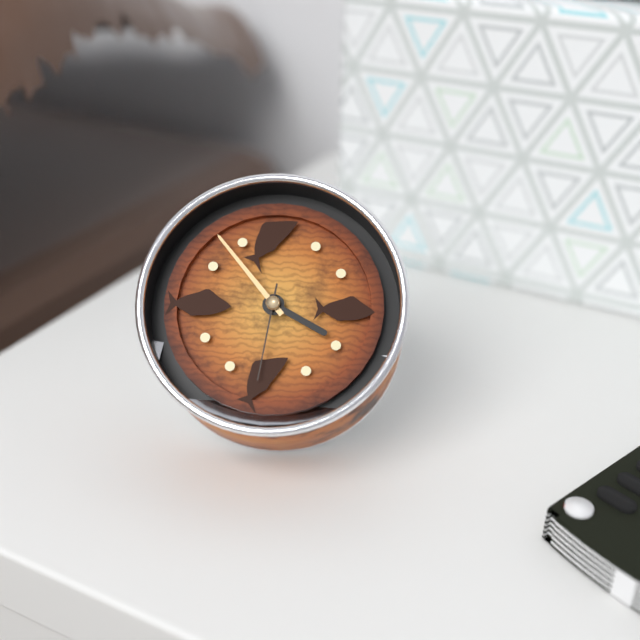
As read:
{"hour": 3, "minute": 53, "second": 31}
